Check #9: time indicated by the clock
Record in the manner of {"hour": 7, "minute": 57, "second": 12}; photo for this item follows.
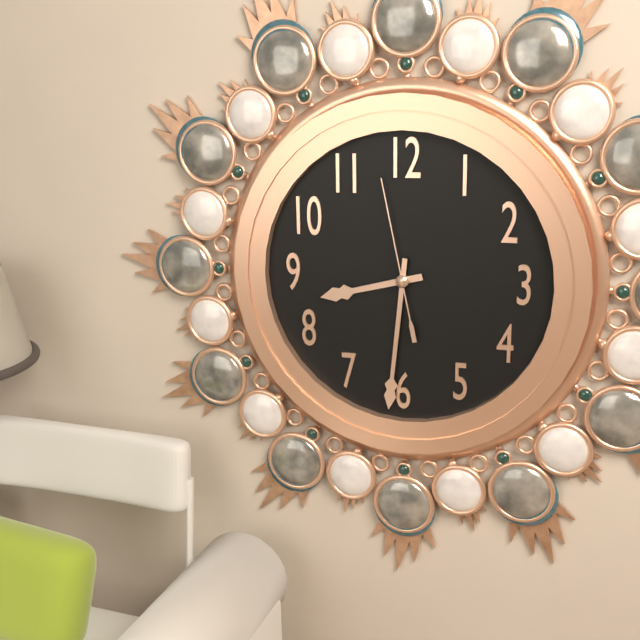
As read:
{"hour": 8, "minute": 31, "second": 58}
